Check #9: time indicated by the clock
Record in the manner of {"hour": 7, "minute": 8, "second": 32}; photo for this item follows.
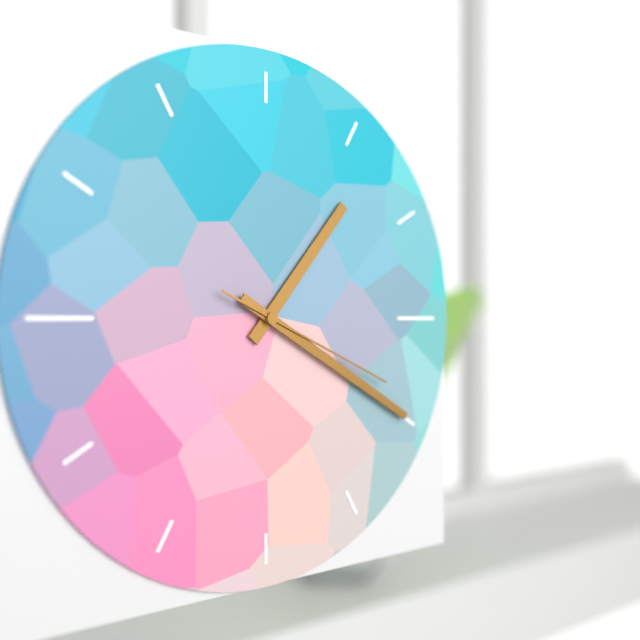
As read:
{"hour": 1, "minute": 20, "second": 19}
